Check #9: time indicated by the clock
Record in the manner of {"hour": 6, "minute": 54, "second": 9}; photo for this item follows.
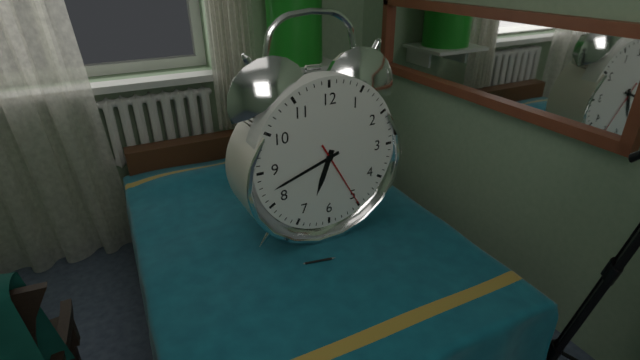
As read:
{"hour": 6, "minute": 42, "second": 25}
